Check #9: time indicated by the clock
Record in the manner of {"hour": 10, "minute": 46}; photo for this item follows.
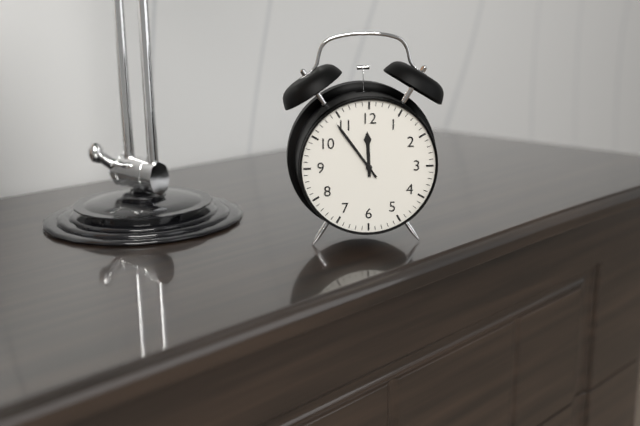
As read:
{"hour": 11, "minute": 54}
